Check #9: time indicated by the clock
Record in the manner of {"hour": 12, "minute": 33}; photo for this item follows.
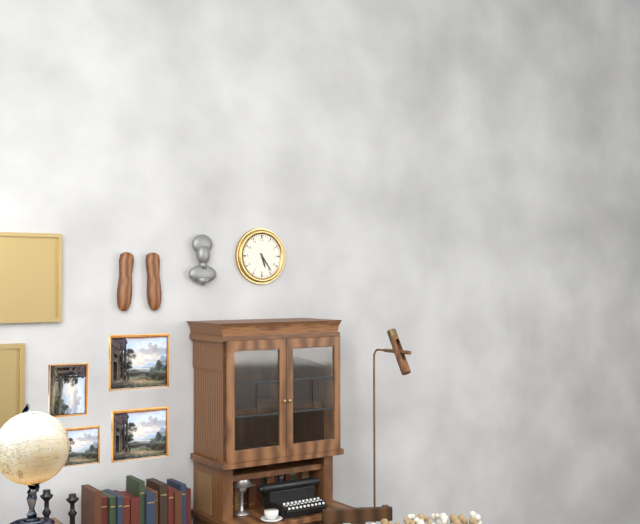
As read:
{"hour": 5, "minute": 24}
